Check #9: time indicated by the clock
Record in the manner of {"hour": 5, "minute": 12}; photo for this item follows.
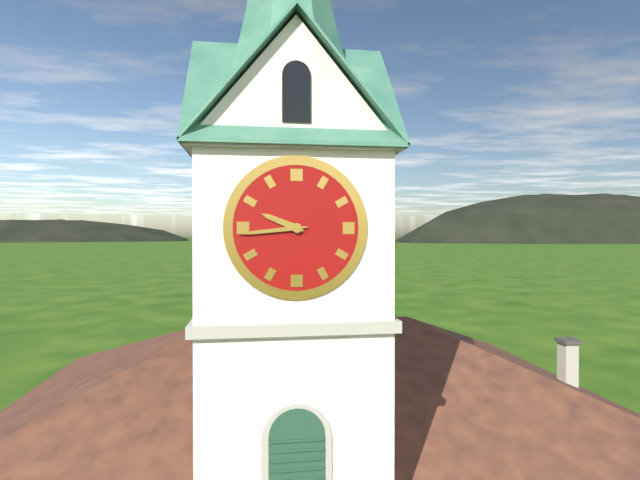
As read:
{"hour": 9, "minute": 44}
